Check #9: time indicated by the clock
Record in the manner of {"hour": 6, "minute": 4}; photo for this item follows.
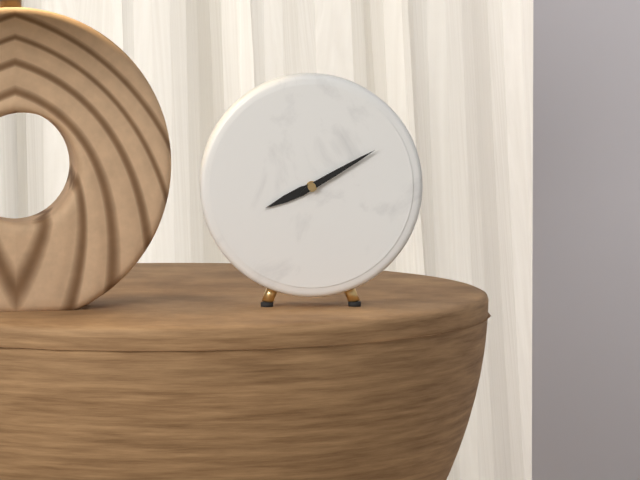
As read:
{"hour": 8, "minute": 10}
